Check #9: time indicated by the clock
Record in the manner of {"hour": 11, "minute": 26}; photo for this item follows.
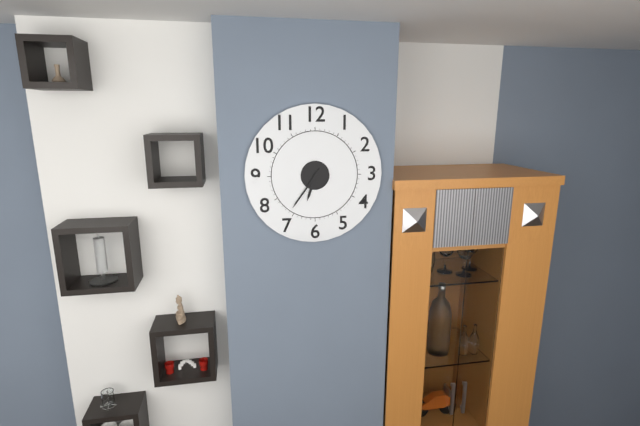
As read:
{"hour": 6, "minute": 36}
